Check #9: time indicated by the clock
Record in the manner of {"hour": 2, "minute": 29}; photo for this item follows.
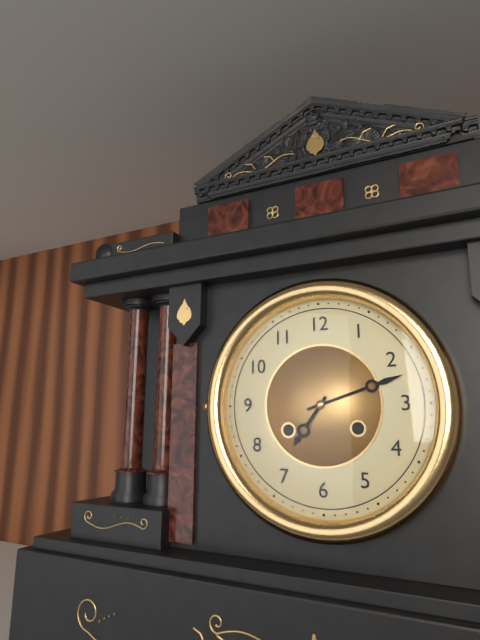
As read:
{"hour": 7, "minute": 12}
